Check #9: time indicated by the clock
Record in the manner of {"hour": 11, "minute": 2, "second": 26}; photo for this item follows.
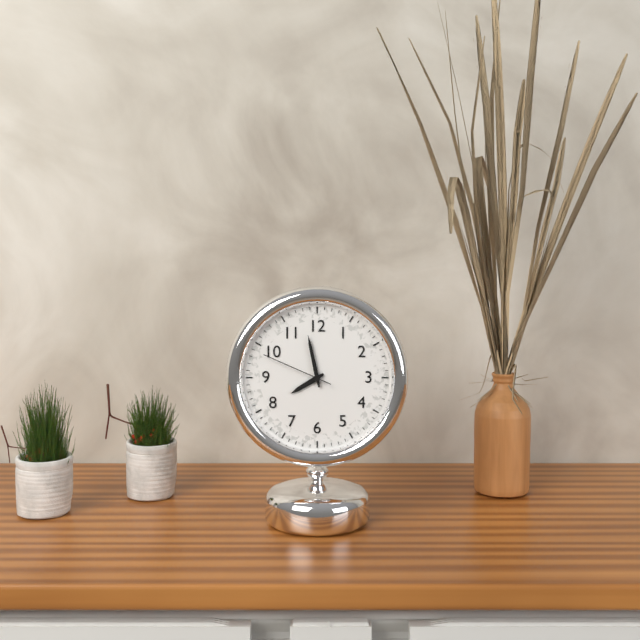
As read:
{"hour": 7, "minute": 58, "second": 49}
